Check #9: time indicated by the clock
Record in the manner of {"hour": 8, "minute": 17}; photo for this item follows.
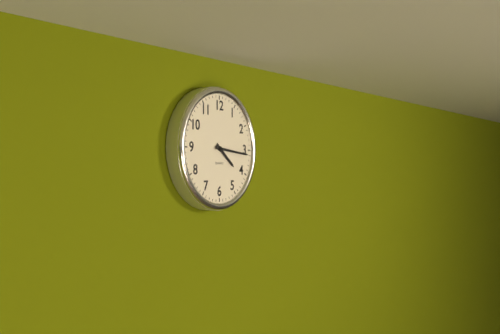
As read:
{"hour": 4, "minute": 16}
